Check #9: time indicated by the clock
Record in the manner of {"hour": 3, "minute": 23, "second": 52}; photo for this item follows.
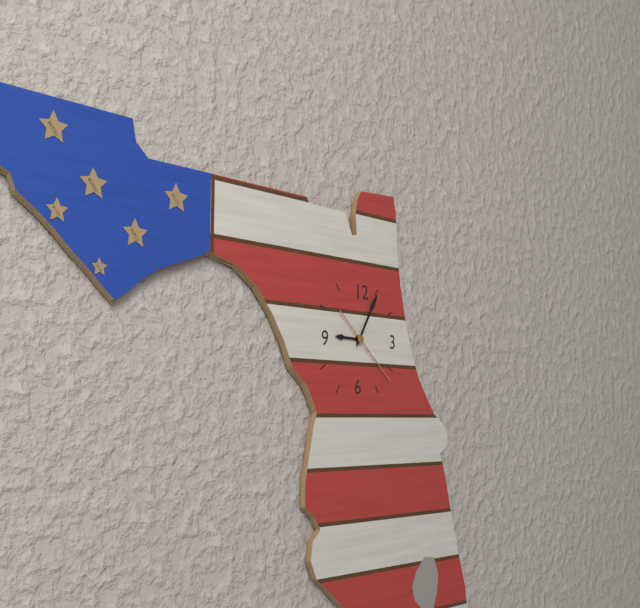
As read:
{"hour": 9, "minute": 5, "second": 22}
